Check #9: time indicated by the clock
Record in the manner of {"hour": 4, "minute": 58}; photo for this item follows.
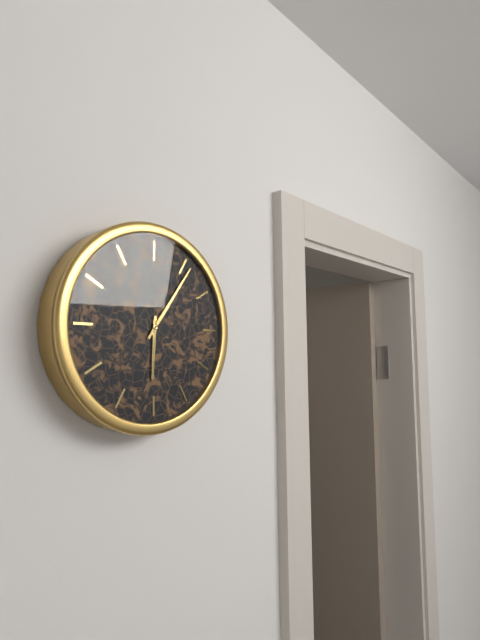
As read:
{"hour": 6, "minute": 6}
